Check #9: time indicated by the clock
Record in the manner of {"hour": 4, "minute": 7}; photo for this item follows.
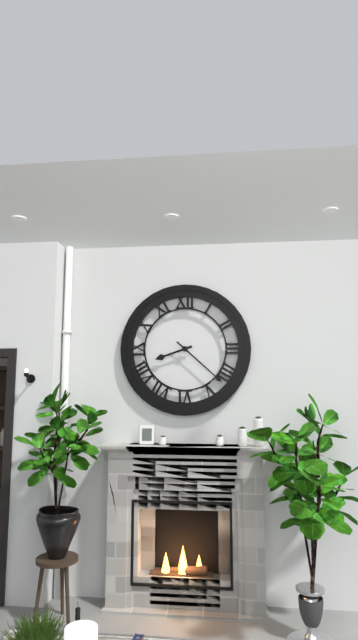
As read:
{"hour": 8, "minute": 22}
